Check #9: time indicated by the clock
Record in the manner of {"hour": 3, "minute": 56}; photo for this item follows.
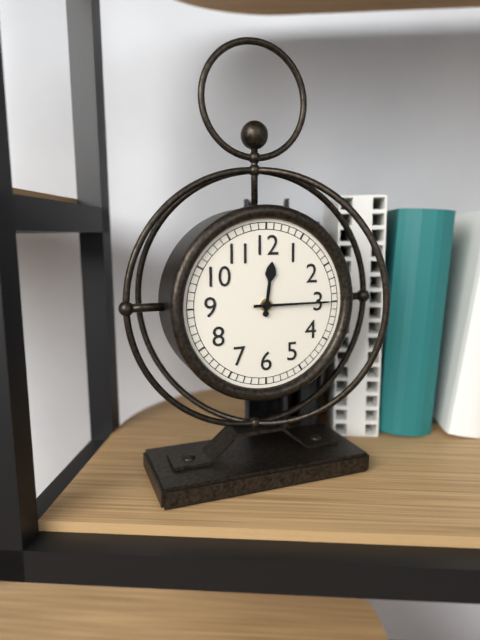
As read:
{"hour": 12, "minute": 15}
